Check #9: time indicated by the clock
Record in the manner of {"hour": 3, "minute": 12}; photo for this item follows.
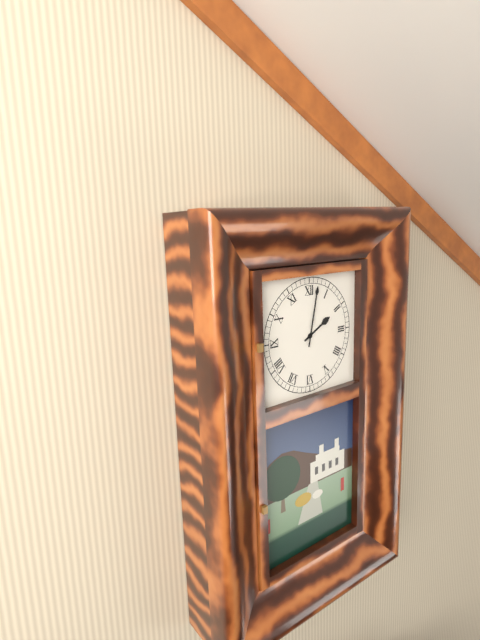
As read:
{"hour": 2, "minute": 2}
